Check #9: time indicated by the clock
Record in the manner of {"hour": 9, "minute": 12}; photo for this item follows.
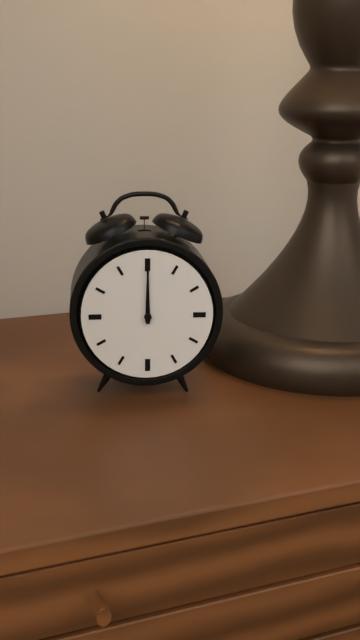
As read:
{"hour": 12, "minute": 0}
